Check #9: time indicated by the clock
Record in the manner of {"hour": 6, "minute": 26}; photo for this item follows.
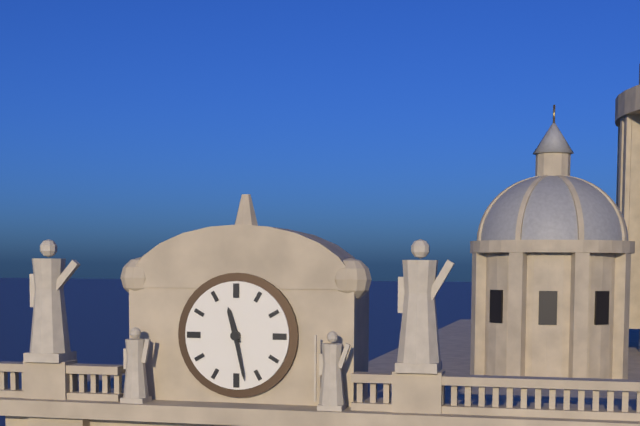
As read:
{"hour": 11, "minute": 28}
